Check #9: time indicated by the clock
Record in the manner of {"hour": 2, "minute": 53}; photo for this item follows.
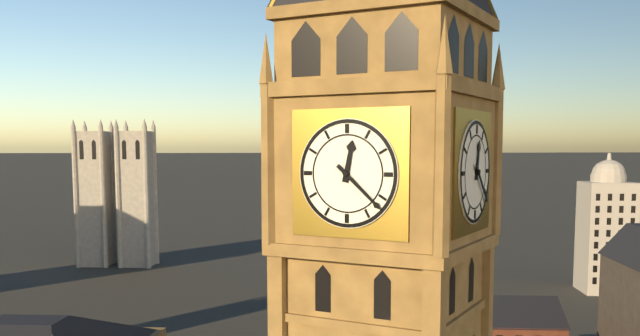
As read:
{"hour": 12, "minute": 22}
